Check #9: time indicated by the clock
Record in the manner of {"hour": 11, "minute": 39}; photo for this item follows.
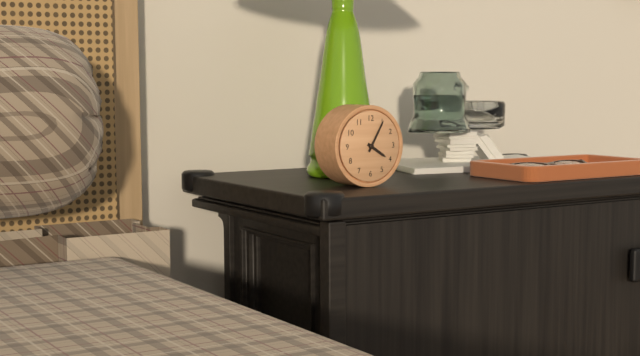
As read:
{"hour": 4, "minute": 5}
